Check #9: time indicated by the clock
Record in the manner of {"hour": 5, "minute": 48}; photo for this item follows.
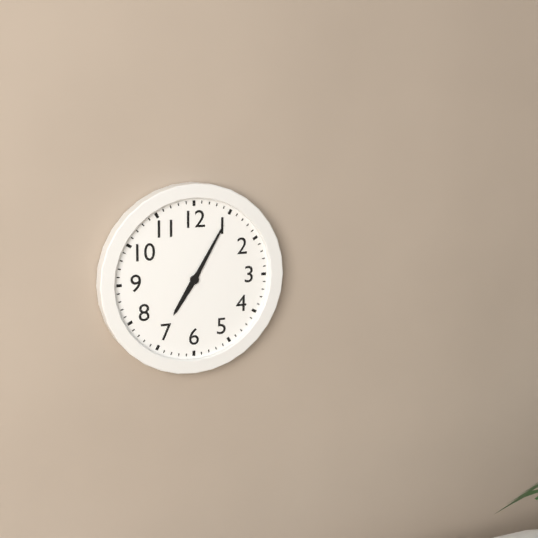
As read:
{"hour": 7, "minute": 5}
